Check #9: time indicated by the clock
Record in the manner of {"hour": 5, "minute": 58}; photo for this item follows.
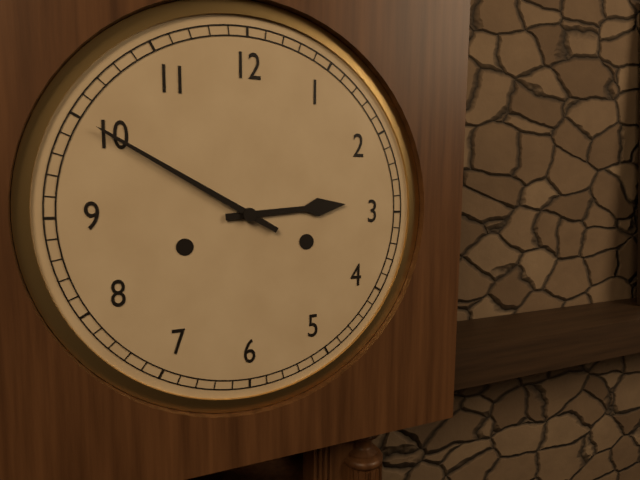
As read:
{"hour": 2, "minute": 50}
